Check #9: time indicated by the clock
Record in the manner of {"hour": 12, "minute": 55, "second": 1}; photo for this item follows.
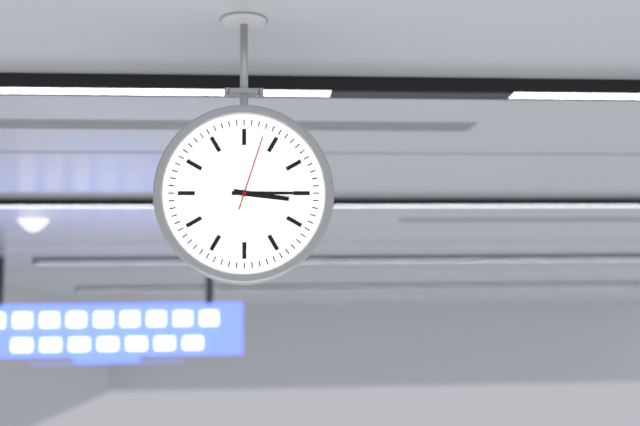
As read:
{"hour": 3, "minute": 15, "second": 3}
